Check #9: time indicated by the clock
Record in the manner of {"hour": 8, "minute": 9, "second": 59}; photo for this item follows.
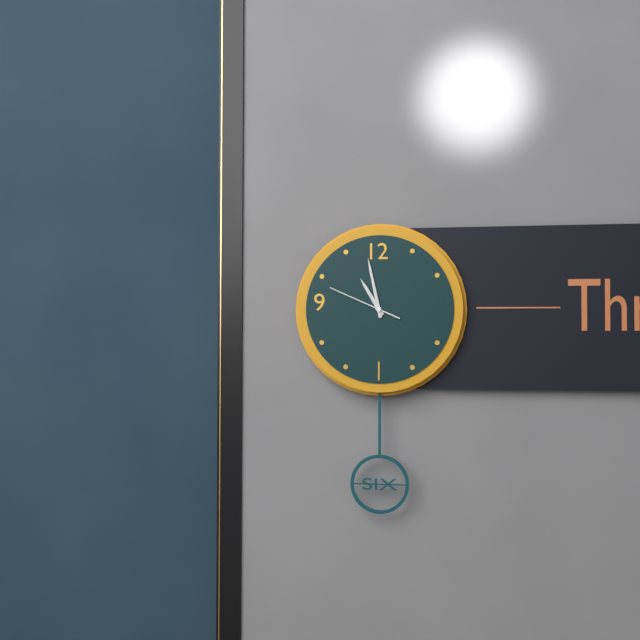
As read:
{"hour": 10, "minute": 58, "second": 49}
